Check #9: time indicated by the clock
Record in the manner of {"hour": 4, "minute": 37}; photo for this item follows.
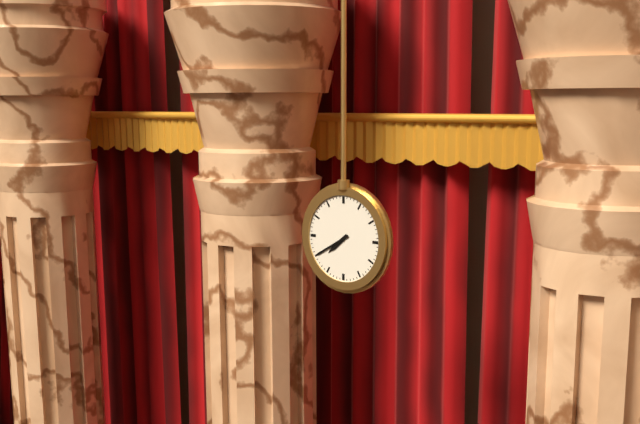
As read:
{"hour": 7, "minute": 40}
